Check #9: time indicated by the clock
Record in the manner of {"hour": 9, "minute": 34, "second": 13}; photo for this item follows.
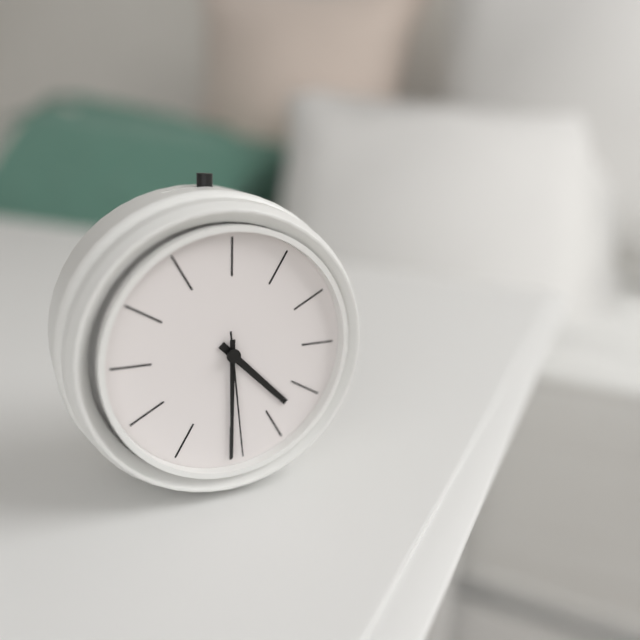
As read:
{"hour": 4, "minute": 30, "second": 29}
